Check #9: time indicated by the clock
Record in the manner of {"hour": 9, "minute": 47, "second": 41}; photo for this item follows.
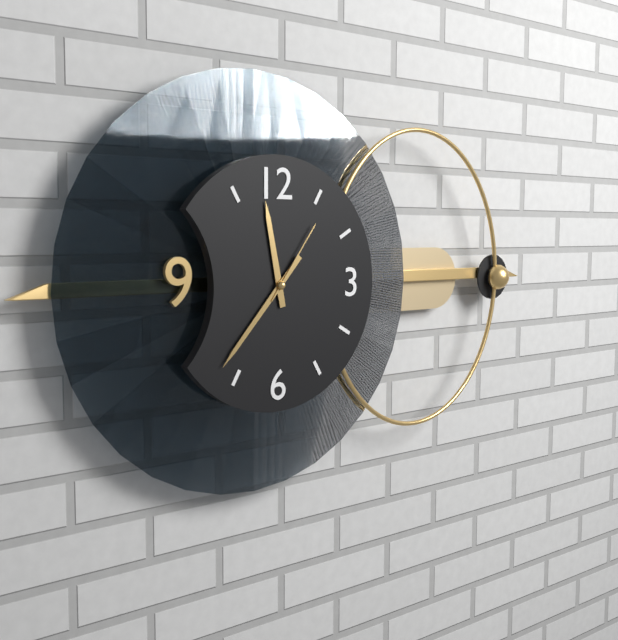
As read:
{"hour": 11, "minute": 37, "second": 6}
